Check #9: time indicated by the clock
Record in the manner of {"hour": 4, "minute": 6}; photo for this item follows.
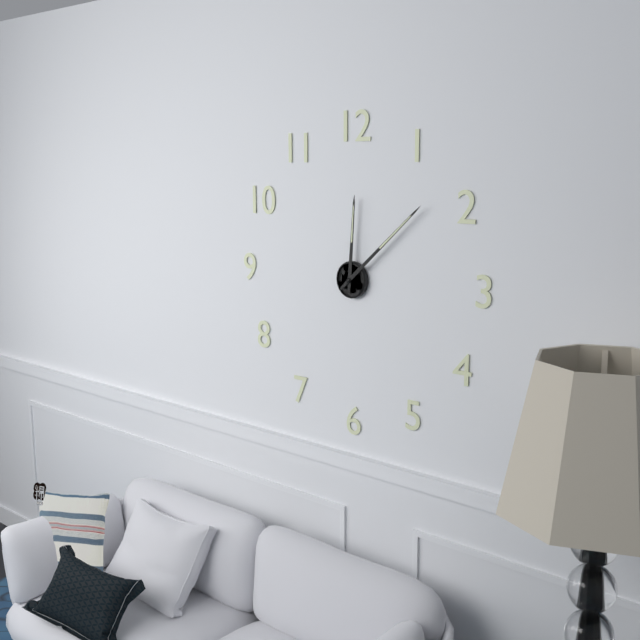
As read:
{"hour": 12, "minute": 8}
